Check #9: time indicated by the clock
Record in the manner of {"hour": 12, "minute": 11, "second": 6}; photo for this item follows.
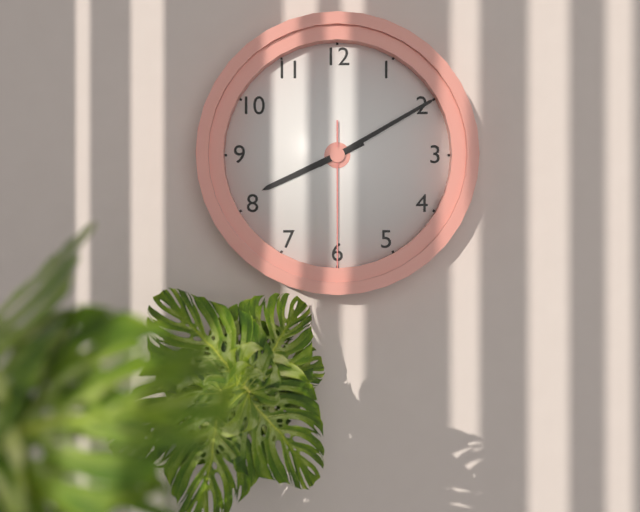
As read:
{"hour": 8, "minute": 10, "second": 30}
